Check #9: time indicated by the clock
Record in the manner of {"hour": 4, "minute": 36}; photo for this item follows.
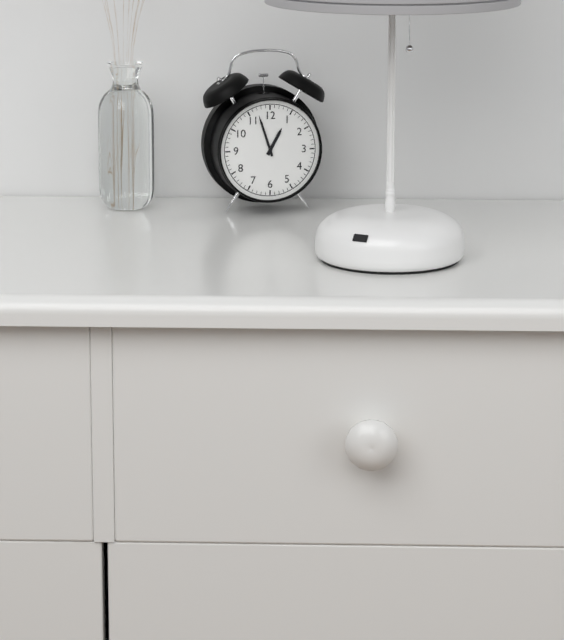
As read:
{"hour": 12, "minute": 57}
